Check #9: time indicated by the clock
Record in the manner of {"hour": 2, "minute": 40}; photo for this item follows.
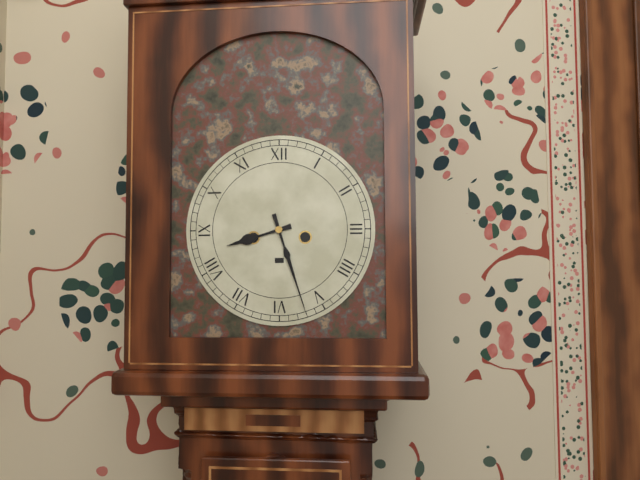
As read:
{"hour": 8, "minute": 27}
